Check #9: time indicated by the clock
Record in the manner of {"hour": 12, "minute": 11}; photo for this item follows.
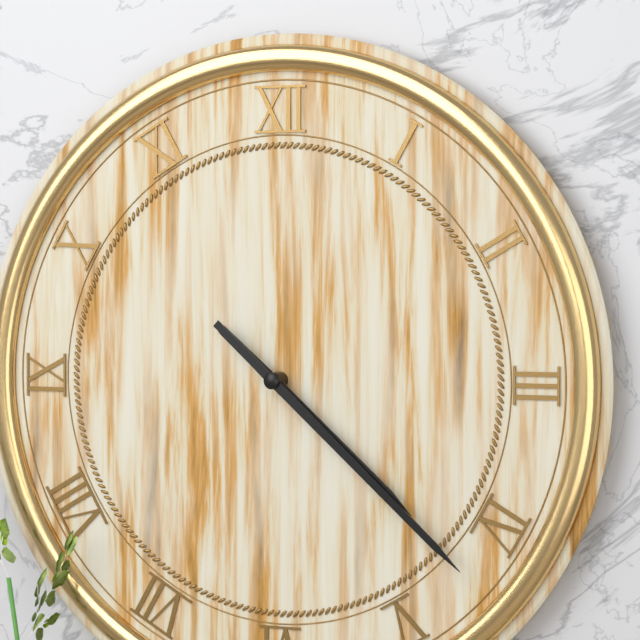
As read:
{"hour": 4, "minute": 22}
